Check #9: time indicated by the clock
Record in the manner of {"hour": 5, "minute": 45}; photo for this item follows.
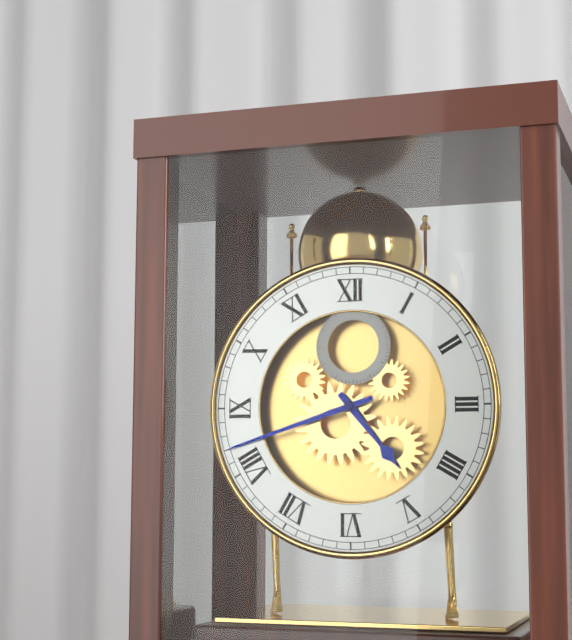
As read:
{"hour": 4, "minute": 42}
